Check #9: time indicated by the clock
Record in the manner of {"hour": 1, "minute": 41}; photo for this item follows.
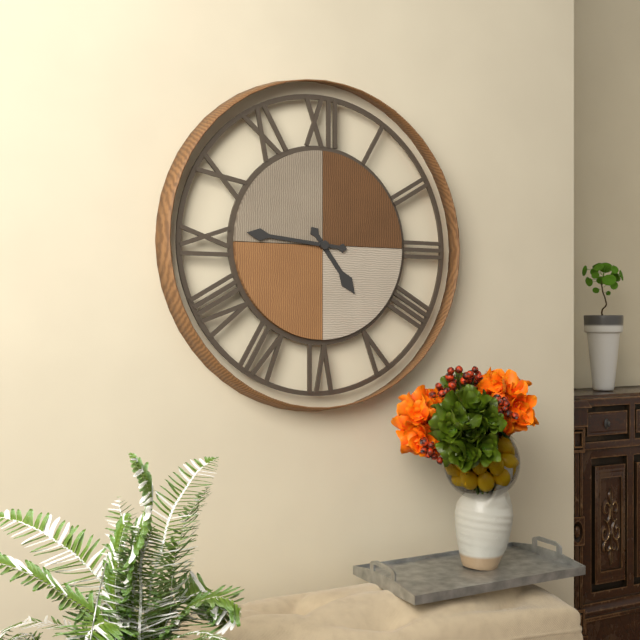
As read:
{"hour": 4, "minute": 46}
